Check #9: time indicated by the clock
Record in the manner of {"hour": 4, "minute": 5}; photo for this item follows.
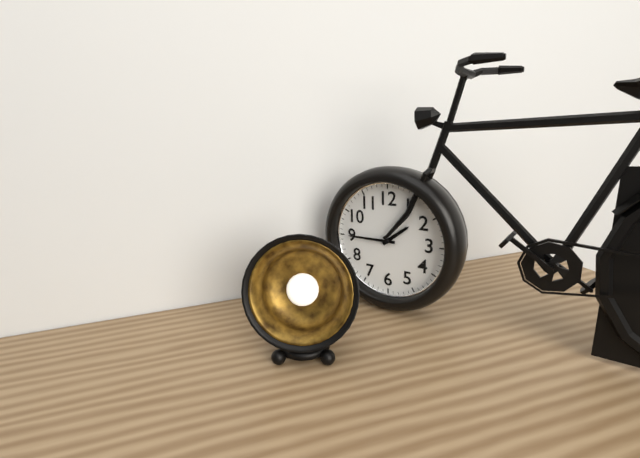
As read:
{"hour": 1, "minute": 45}
